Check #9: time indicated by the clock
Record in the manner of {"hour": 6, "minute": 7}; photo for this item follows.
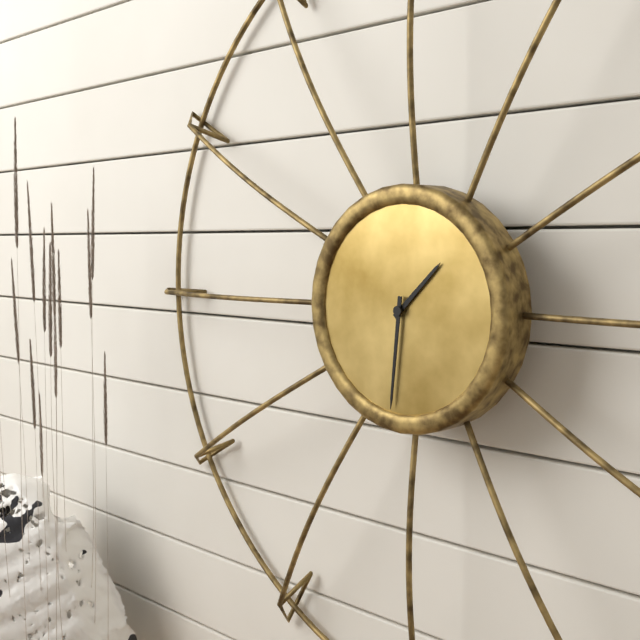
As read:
{"hour": 1, "minute": 31}
